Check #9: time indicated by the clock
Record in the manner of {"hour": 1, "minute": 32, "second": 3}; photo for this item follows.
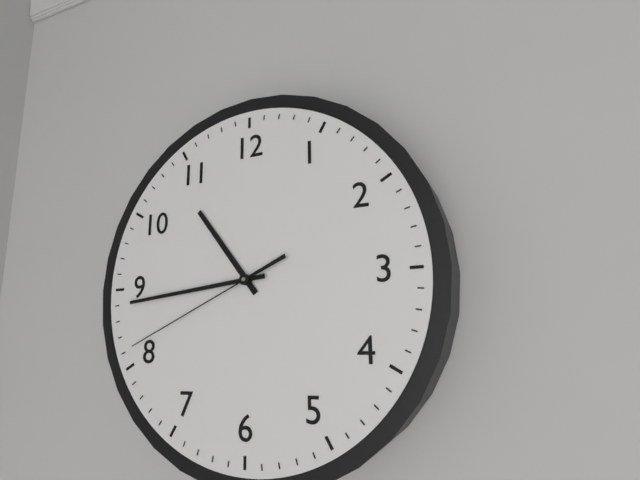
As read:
{"hour": 10, "minute": 44, "second": 41}
